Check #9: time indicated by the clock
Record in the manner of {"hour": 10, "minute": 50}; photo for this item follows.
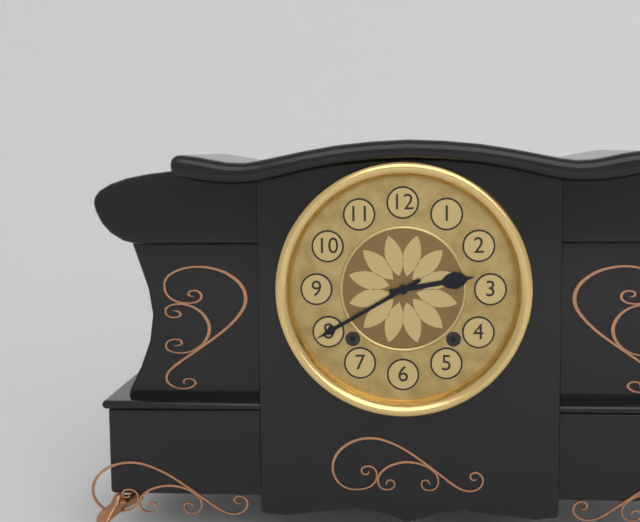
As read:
{"hour": 2, "minute": 40}
